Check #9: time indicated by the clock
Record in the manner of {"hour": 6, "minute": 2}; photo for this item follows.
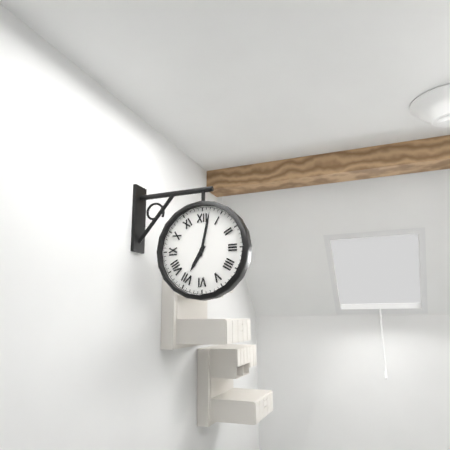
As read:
{"hour": 7, "minute": 2}
